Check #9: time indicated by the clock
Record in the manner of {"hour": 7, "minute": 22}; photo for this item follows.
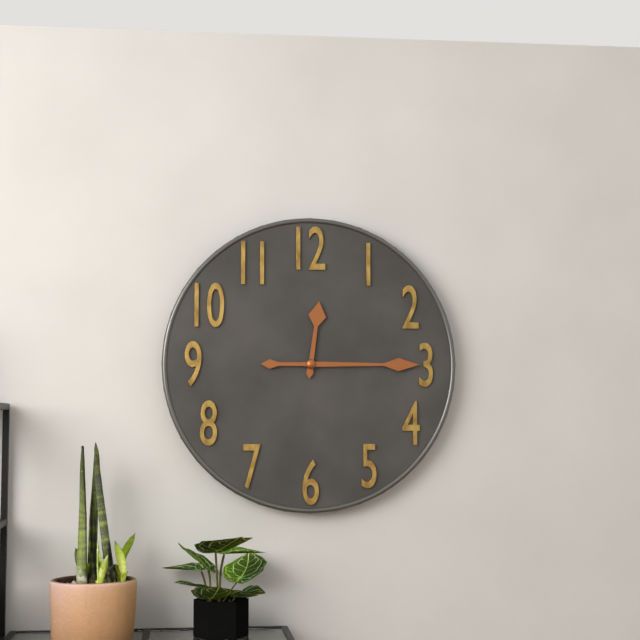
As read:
{"hour": 12, "minute": 15}
